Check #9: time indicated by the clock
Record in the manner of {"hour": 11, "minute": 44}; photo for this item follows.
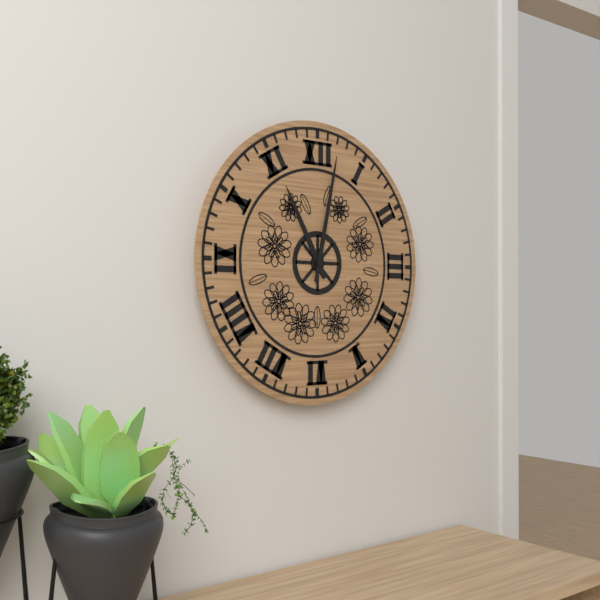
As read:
{"hour": 11, "minute": 2}
